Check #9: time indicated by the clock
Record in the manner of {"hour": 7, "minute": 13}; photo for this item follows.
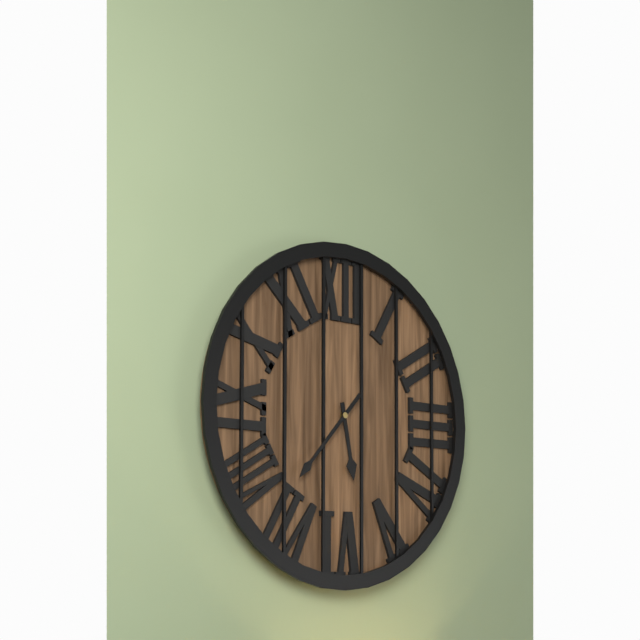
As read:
{"hour": 5, "minute": 37}
